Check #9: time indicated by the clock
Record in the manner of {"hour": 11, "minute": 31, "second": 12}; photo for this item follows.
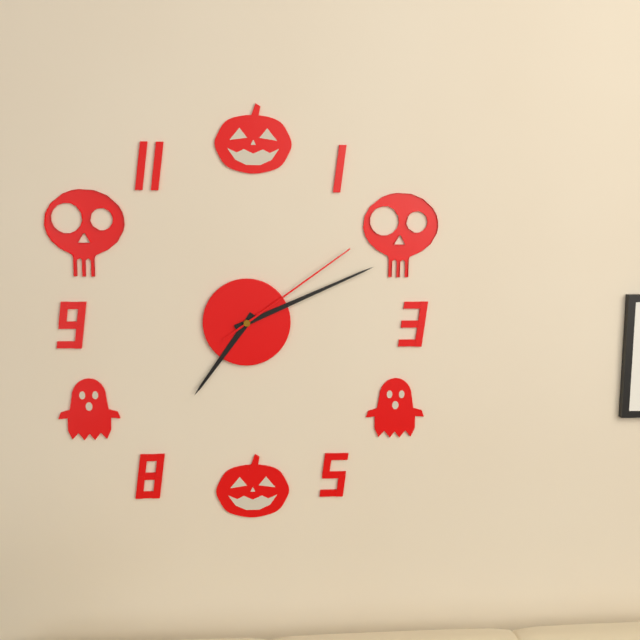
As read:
{"hour": 7, "minute": 11, "second": 9}
